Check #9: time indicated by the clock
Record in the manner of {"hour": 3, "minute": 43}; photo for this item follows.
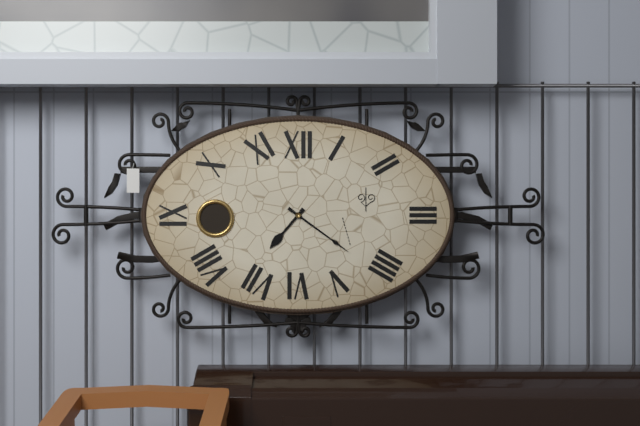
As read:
{"hour": 7, "minute": 21}
